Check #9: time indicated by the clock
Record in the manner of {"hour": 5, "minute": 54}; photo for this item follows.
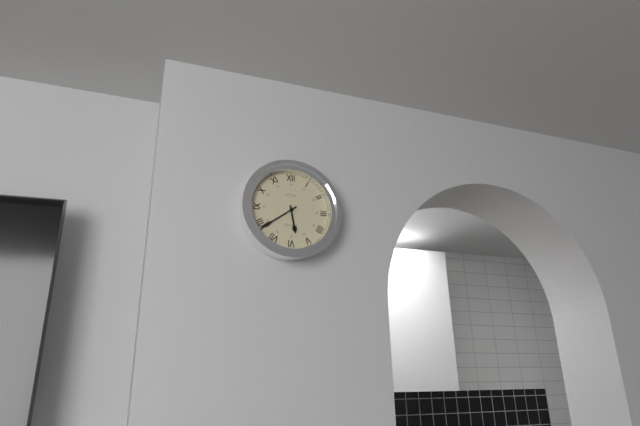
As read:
{"hour": 5, "minute": 39}
